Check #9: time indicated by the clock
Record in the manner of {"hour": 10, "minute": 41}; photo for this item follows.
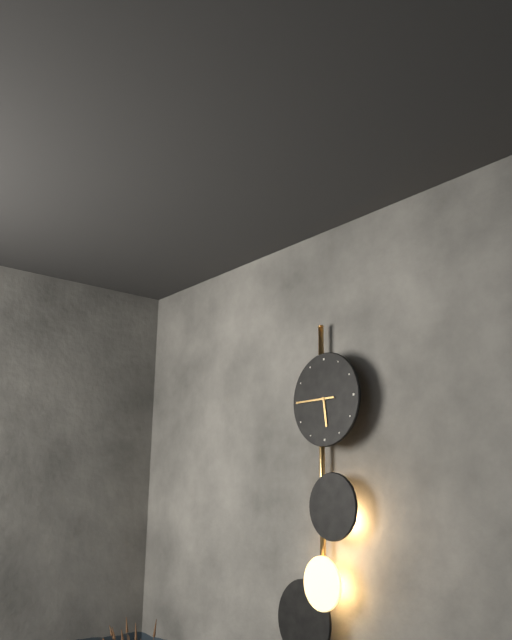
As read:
{"hour": 5, "minute": 45}
